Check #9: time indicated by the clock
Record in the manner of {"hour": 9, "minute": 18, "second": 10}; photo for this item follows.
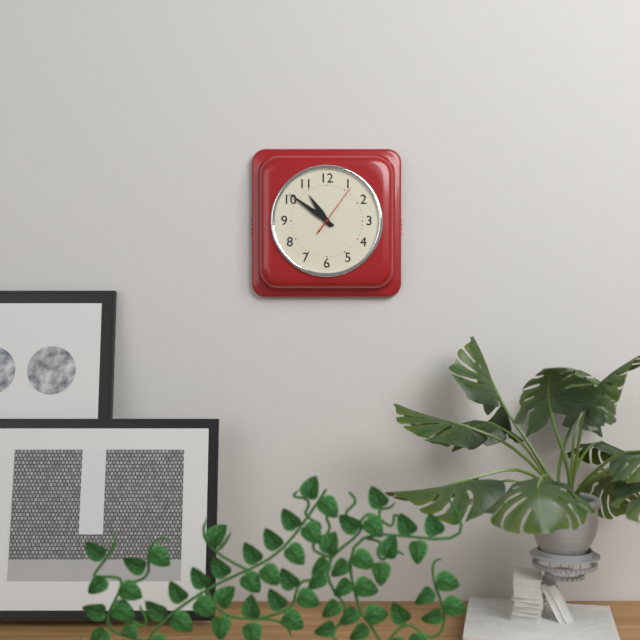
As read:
{"hour": 10, "minute": 51, "second": 6}
